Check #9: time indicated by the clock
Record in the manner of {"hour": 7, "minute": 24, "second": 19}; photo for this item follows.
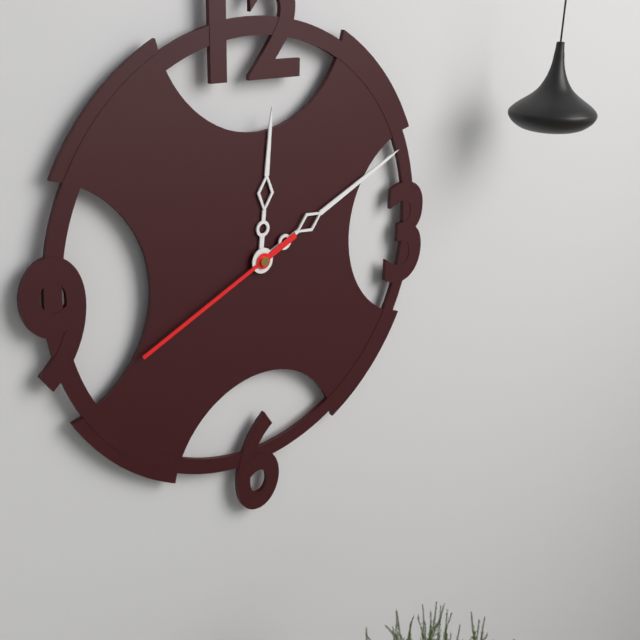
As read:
{"hour": 12, "minute": 11, "second": 41}
